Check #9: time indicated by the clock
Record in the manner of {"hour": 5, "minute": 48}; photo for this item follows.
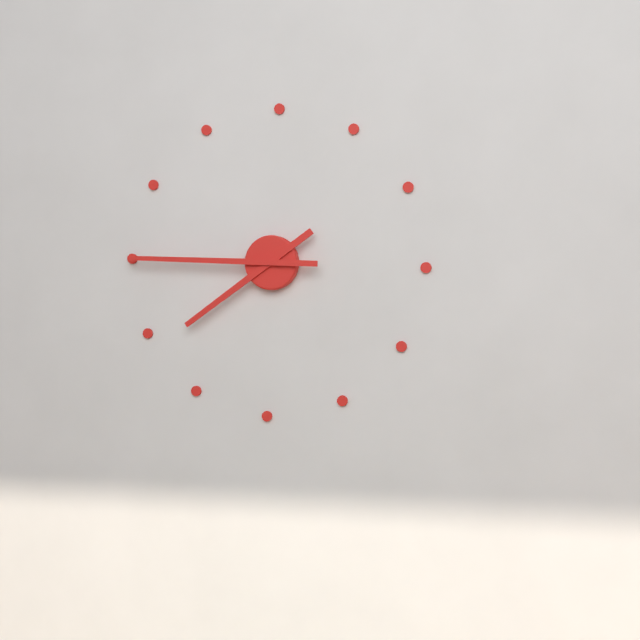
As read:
{"hour": 7, "minute": 45}
